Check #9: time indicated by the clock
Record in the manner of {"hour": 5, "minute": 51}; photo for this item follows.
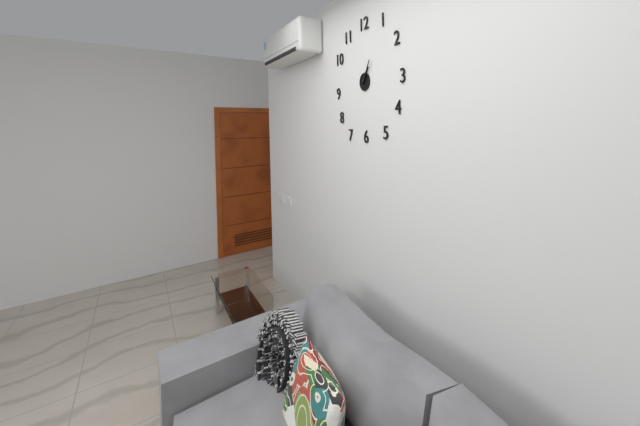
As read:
{"hour": 1, "minute": 5}
